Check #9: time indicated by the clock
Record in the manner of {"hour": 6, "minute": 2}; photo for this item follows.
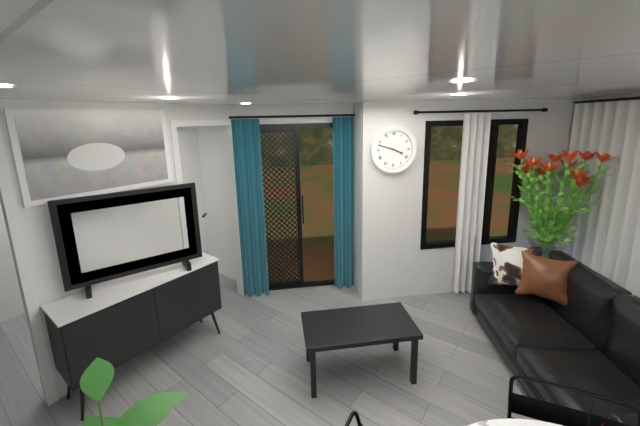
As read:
{"hour": 3, "minute": 48}
